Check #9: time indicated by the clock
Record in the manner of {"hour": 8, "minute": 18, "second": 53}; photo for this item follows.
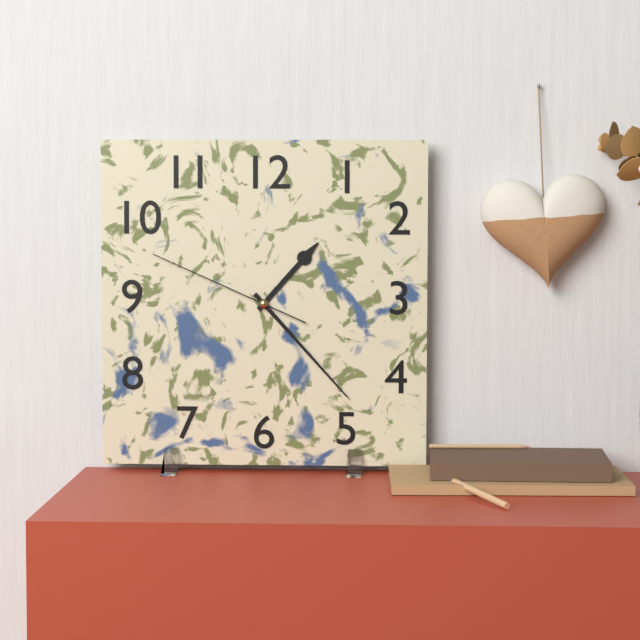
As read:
{"hour": 1, "minute": 23, "second": 49}
